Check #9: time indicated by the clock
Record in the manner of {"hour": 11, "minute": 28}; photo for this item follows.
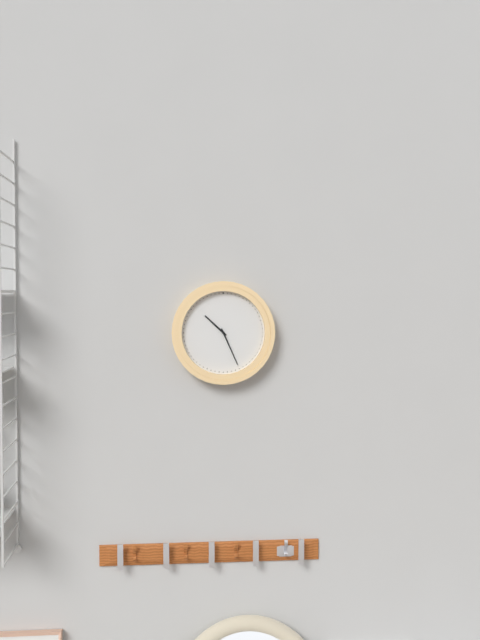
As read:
{"hour": 10, "minute": 26}
